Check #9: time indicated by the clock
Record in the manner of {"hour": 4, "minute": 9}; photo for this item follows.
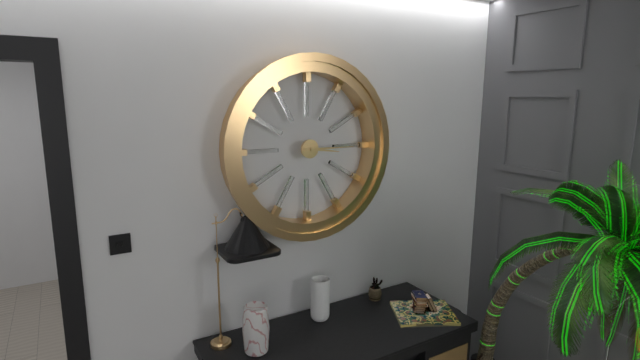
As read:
{"hour": 3, "minute": 15}
